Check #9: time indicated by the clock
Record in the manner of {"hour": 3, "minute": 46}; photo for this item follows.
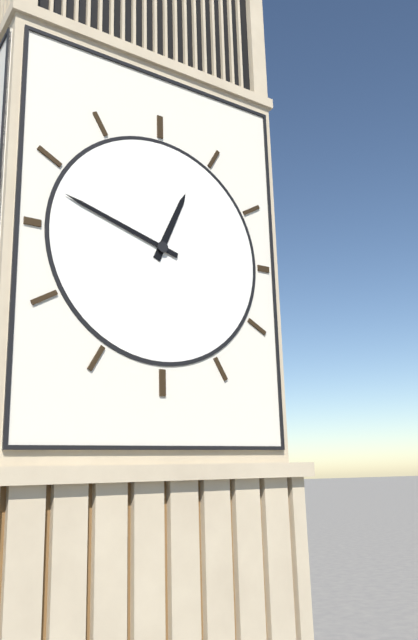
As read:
{"hour": 12, "minute": 48}
